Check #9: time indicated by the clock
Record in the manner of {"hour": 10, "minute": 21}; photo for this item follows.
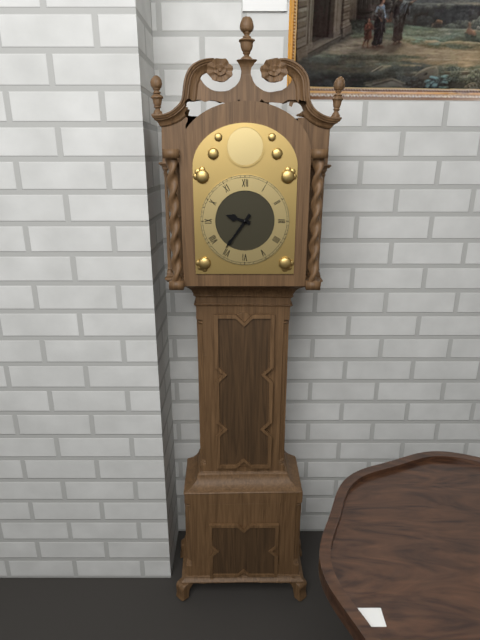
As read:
{"hour": 9, "minute": 36}
